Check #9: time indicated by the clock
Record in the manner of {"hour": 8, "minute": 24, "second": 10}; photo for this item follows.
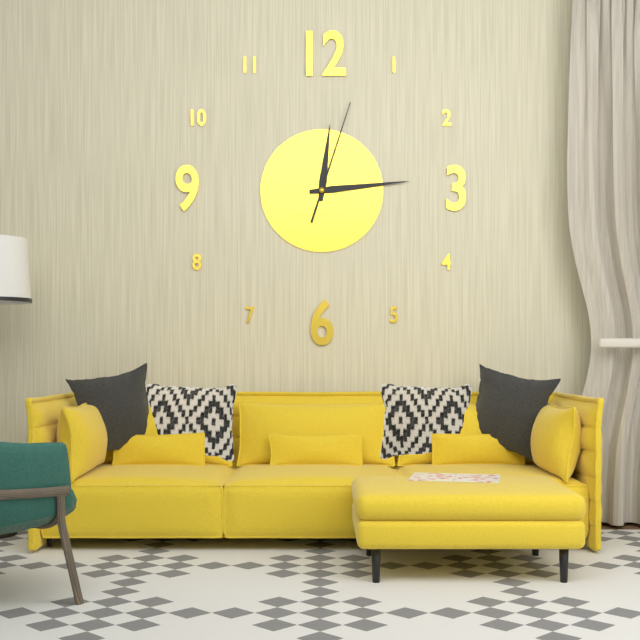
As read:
{"hour": 12, "minute": 14, "second": 3}
